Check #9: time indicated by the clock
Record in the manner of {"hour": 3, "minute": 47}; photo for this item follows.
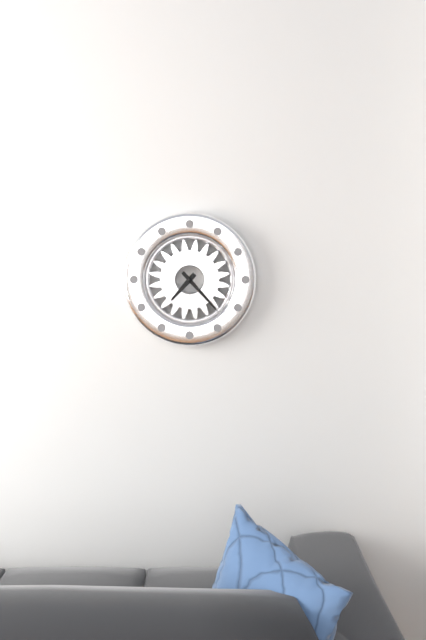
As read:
{"hour": 7, "minute": 23}
